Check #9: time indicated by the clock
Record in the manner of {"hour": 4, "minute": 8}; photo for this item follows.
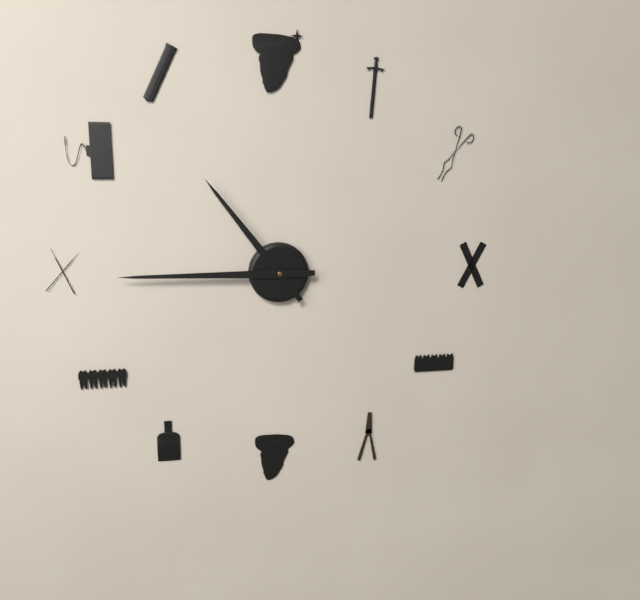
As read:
{"hour": 10, "minute": 45}
